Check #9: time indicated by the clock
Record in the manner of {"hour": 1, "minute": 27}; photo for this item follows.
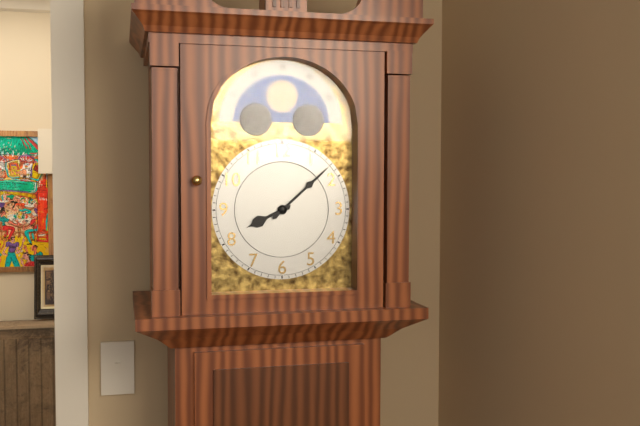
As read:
{"hour": 8, "minute": 8}
